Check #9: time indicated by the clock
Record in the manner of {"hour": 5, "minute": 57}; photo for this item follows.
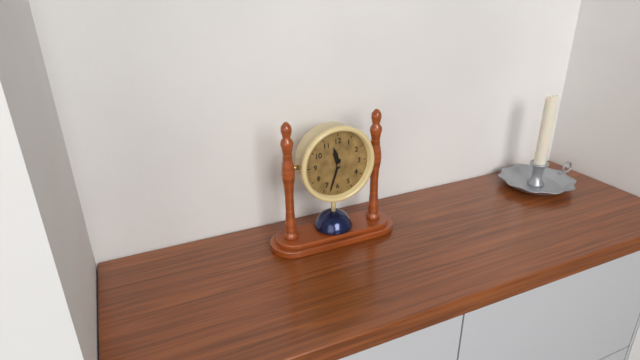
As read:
{"hour": 11, "minute": 33}
